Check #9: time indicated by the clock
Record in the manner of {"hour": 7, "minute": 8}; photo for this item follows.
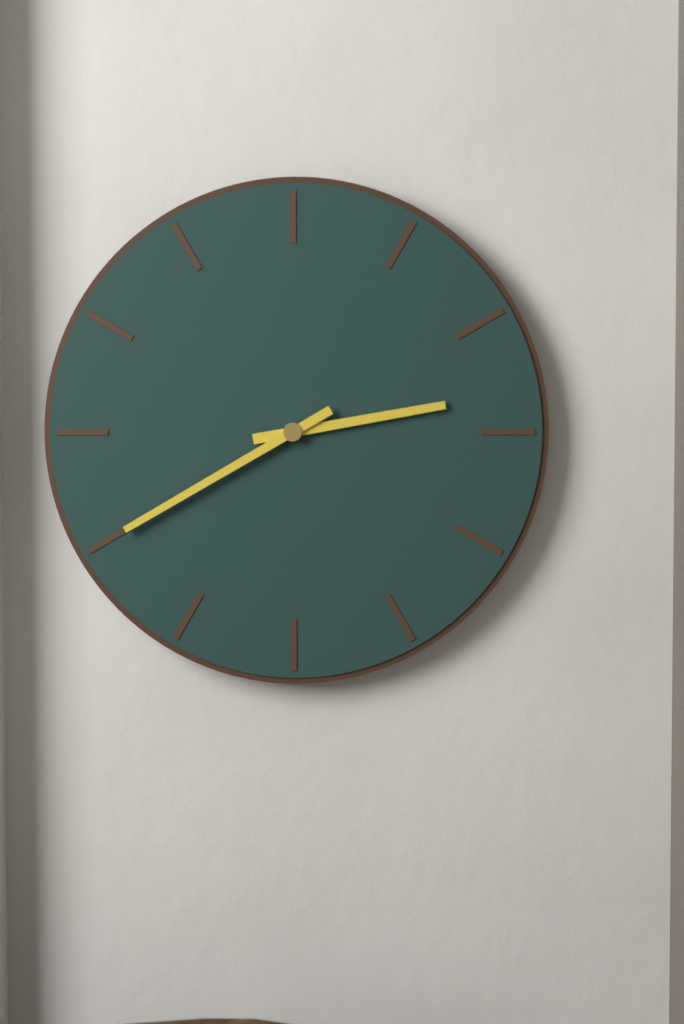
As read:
{"hour": 2, "minute": 40}
